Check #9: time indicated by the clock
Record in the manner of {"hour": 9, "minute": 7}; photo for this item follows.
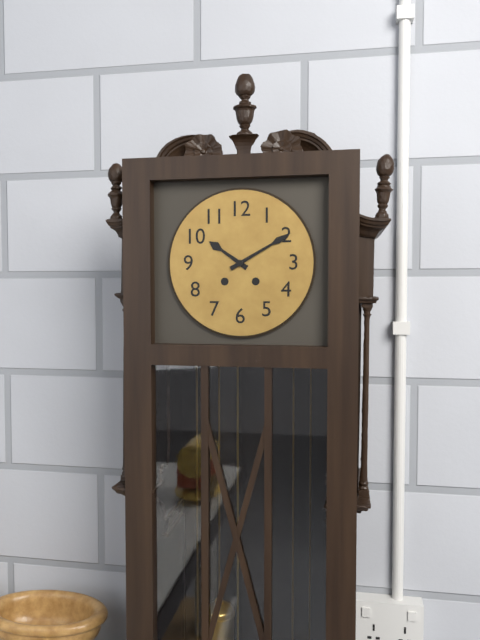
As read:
{"hour": 10, "minute": 10}
